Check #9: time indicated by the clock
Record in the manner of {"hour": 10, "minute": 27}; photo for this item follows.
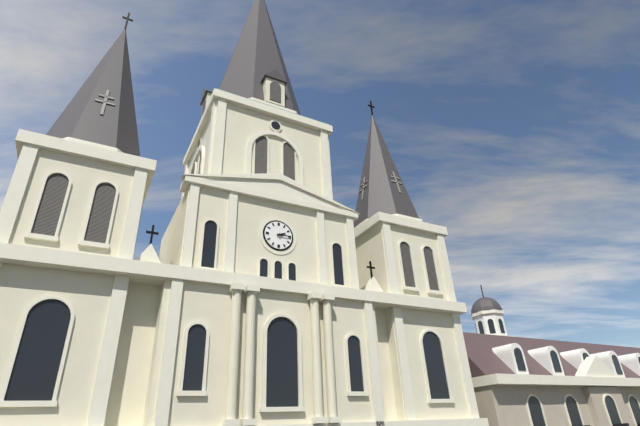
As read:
{"hour": 2, "minute": 15}
